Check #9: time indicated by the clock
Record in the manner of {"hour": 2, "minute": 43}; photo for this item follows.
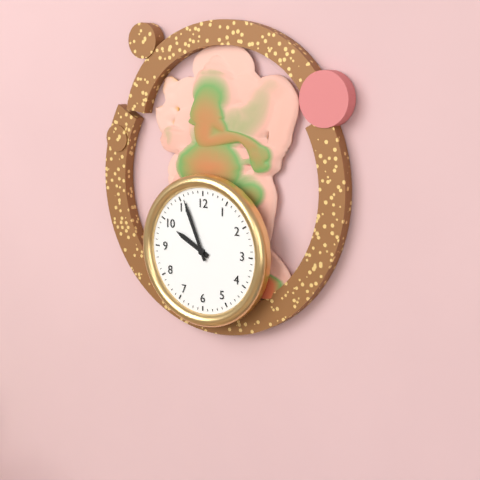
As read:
{"hour": 9, "minute": 56}
